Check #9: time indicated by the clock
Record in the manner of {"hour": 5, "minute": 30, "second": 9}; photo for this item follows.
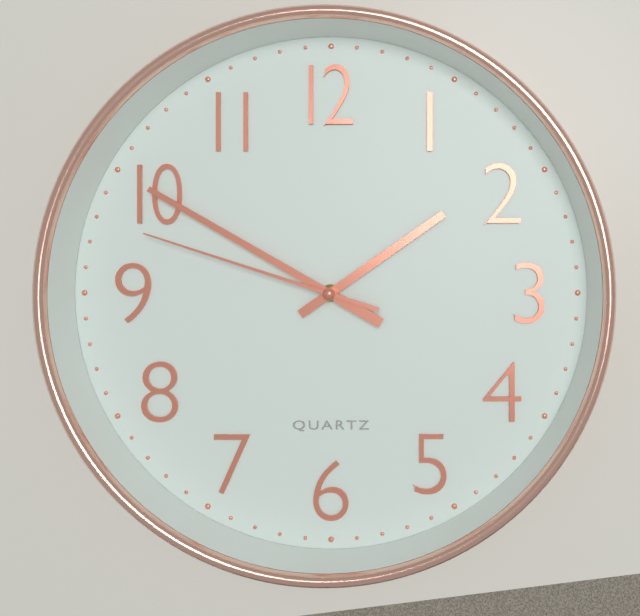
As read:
{"hour": 1, "minute": 50, "second": 48}
